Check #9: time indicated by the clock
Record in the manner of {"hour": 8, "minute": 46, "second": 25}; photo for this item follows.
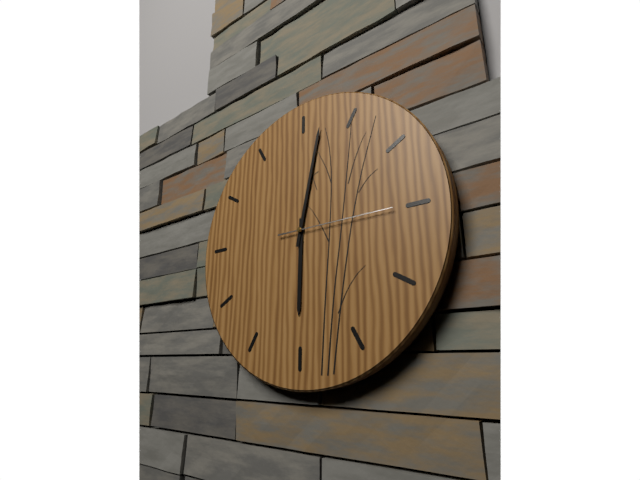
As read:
{"hour": 6, "minute": 2, "second": 15}
